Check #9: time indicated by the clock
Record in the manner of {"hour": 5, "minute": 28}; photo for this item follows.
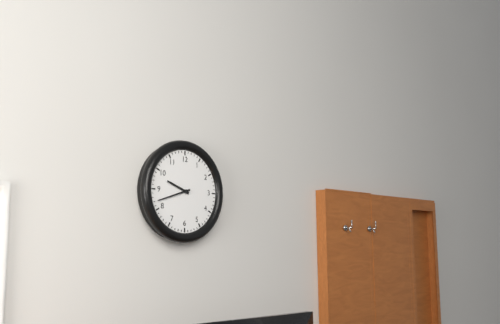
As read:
{"hour": 9, "minute": 42}
